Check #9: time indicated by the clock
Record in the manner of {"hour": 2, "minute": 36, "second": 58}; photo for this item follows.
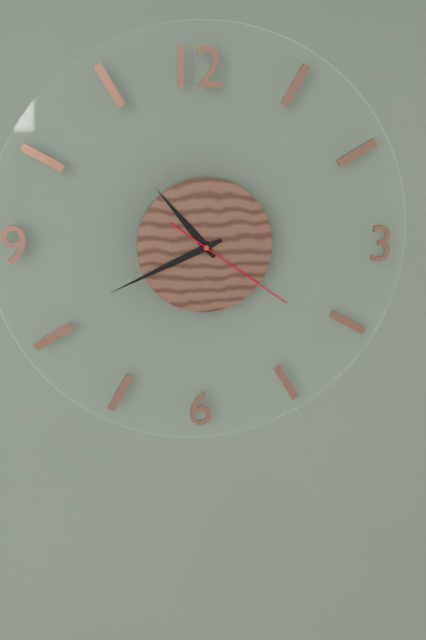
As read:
{"hour": 10, "minute": 41, "second": 21}
